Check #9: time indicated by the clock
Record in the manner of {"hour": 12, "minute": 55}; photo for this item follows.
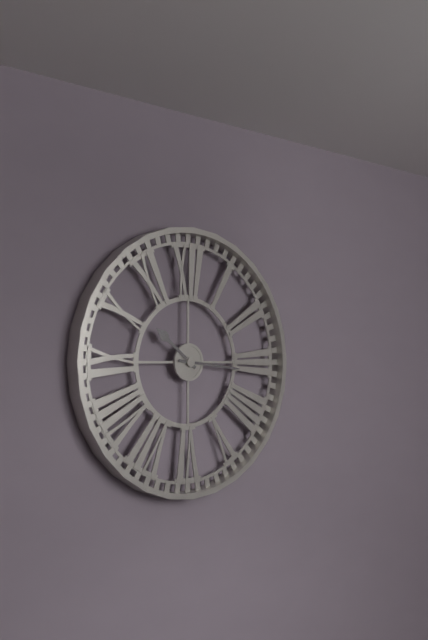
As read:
{"hour": 10, "minute": 16}
